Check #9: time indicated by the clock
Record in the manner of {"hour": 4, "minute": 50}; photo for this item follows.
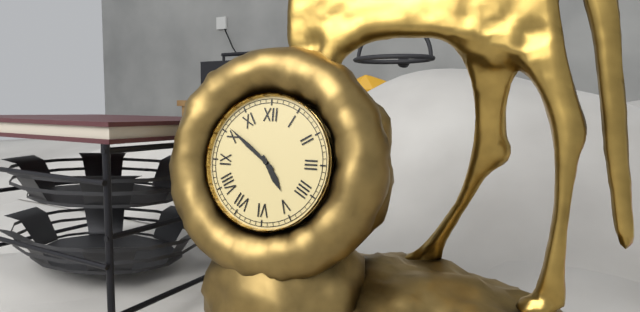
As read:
{"hour": 4, "minute": 51}
